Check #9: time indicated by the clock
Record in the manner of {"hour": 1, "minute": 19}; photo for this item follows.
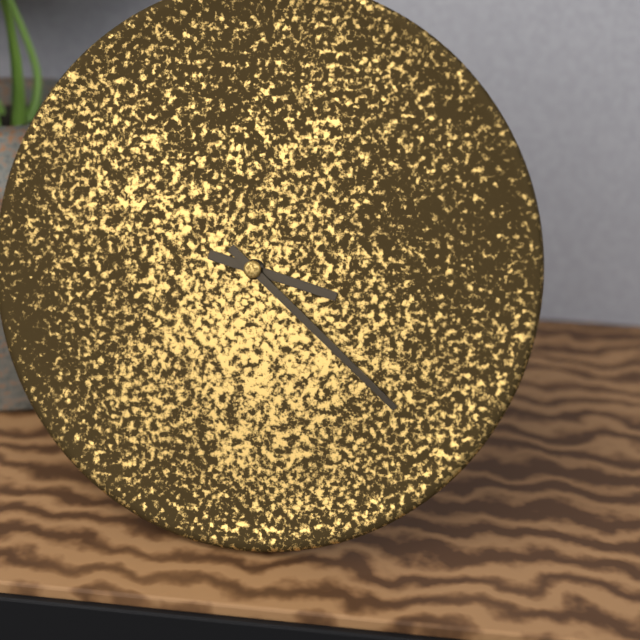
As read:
{"hour": 3, "minute": 21}
